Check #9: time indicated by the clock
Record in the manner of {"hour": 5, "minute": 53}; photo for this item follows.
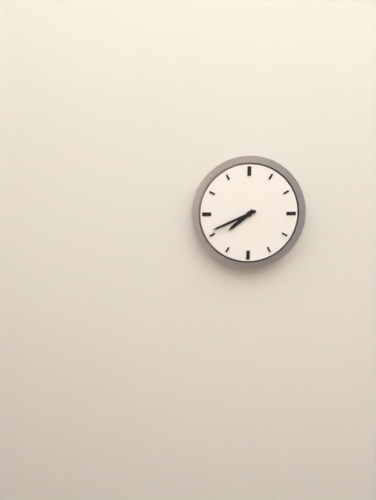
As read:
{"hour": 7, "minute": 41}
